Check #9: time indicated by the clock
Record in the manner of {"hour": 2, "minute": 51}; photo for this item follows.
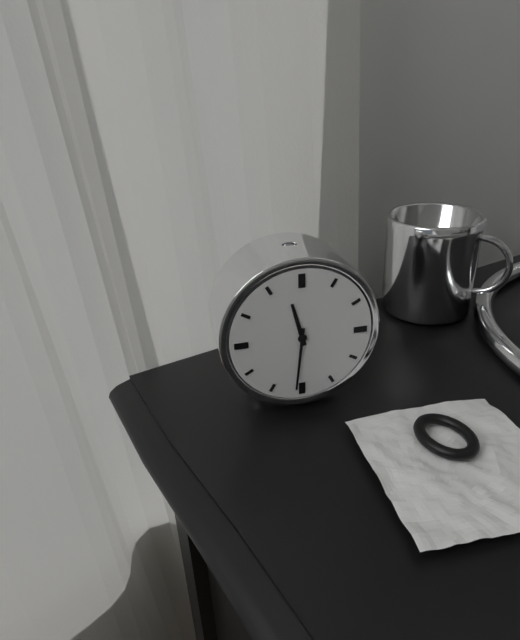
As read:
{"hour": 11, "minute": 31}
